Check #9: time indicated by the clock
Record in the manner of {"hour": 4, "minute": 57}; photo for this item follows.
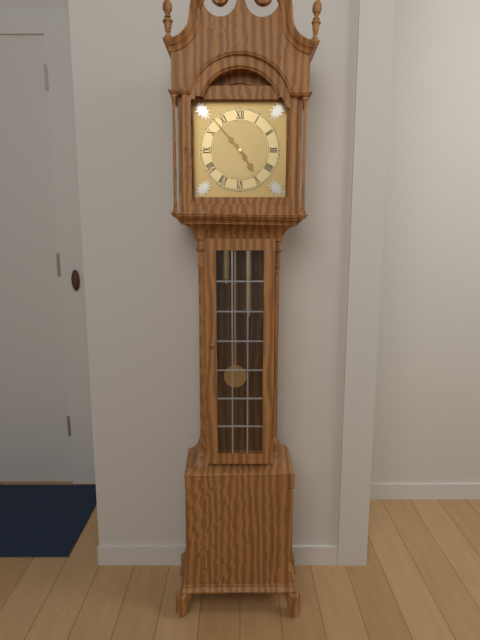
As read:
{"hour": 4, "minute": 53}
